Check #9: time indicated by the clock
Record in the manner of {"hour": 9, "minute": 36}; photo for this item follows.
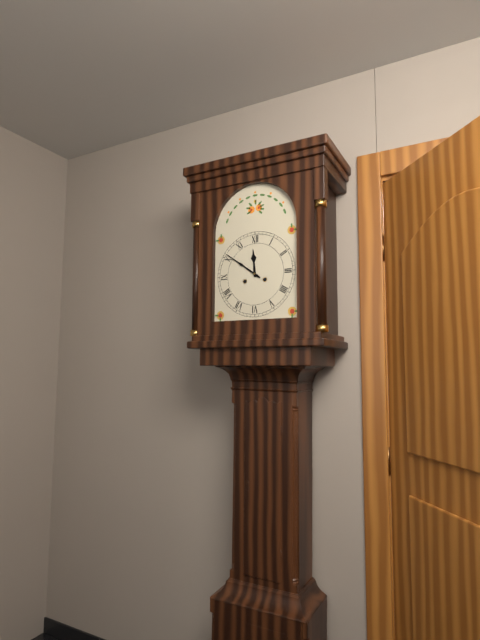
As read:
{"hour": 11, "minute": 51}
